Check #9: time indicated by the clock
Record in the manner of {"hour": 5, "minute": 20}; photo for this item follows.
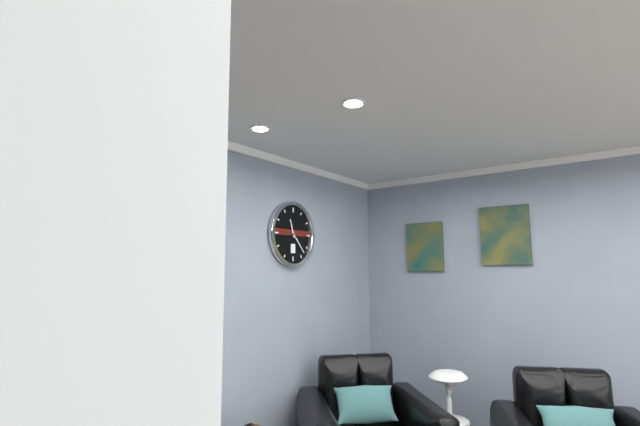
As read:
{"hour": 11, "minute": 23}
